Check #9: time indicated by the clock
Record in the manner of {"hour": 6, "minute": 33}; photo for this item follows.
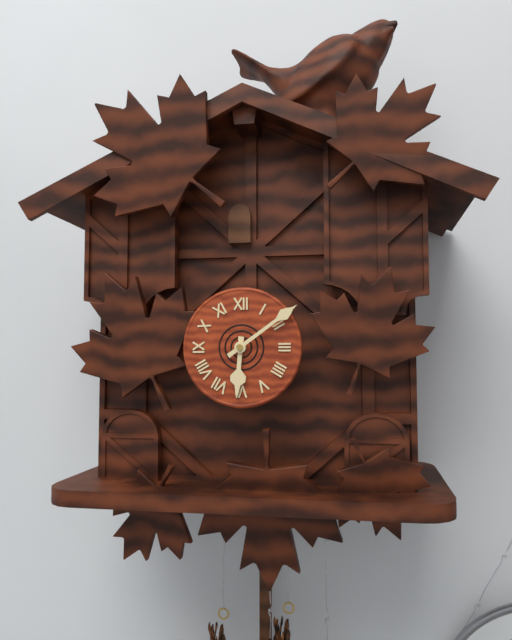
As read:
{"hour": 6, "minute": 9}
